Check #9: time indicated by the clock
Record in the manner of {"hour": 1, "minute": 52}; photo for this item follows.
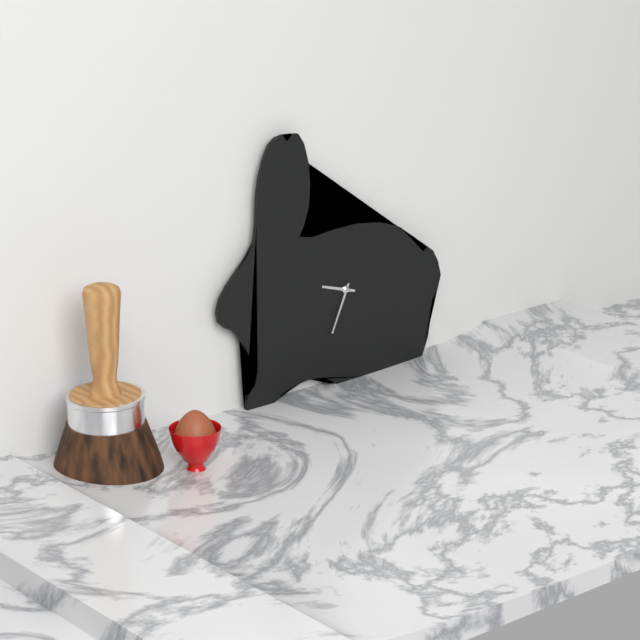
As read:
{"hour": 9, "minute": 34}
